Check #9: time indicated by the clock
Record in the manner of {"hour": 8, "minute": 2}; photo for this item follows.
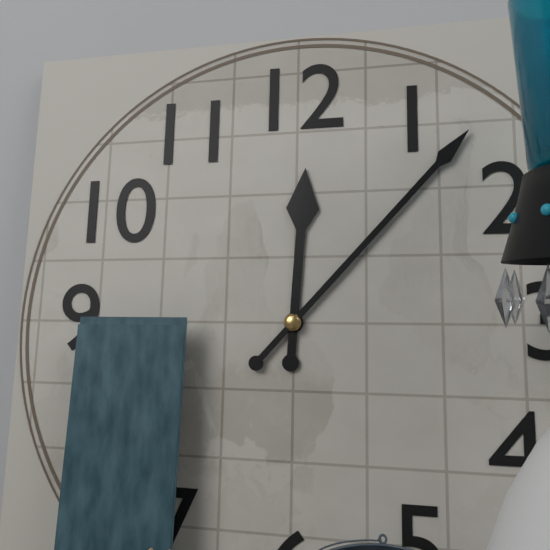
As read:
{"hour": 12, "minute": 7}
